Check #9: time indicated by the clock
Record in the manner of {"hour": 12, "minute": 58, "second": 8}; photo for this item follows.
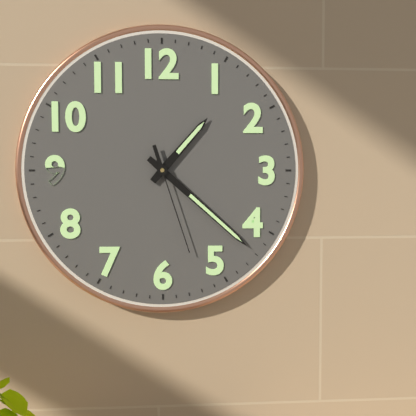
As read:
{"hour": 1, "minute": 22, "second": 27}
